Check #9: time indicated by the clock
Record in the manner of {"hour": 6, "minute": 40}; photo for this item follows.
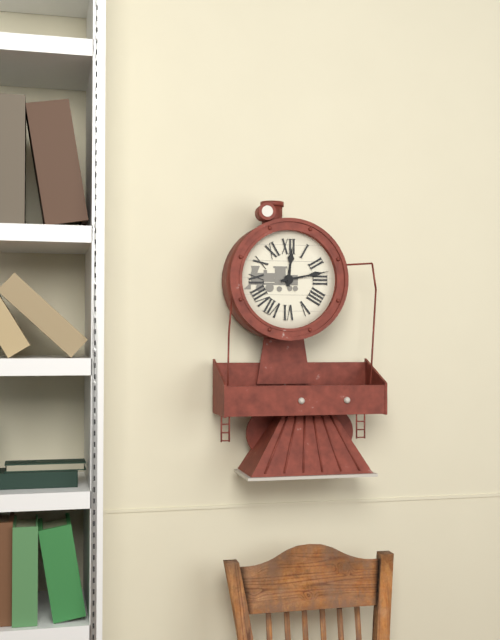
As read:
{"hour": 12, "minute": 13}
